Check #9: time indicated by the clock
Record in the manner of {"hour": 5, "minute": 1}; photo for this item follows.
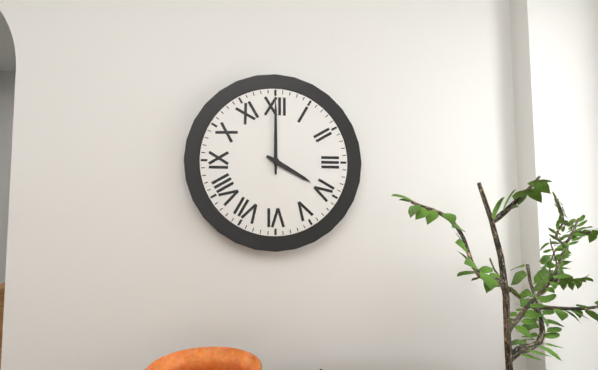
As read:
{"hour": 4, "minute": 0}
